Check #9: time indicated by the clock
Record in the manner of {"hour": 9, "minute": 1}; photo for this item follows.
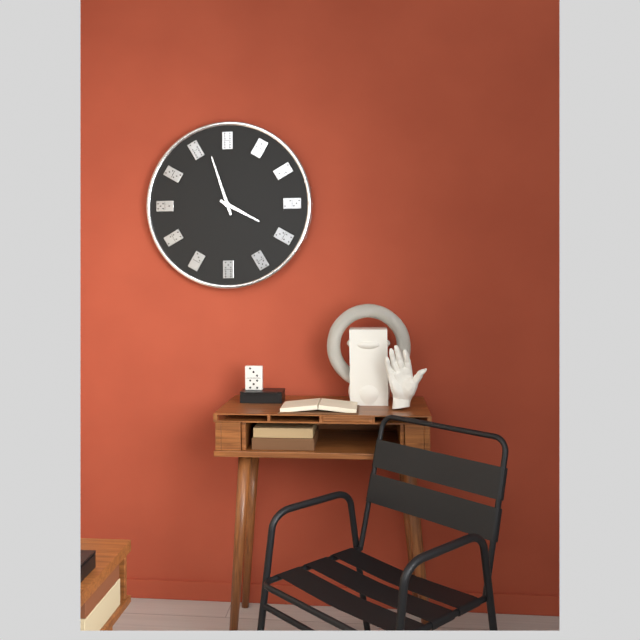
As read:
{"hour": 3, "minute": 57}
